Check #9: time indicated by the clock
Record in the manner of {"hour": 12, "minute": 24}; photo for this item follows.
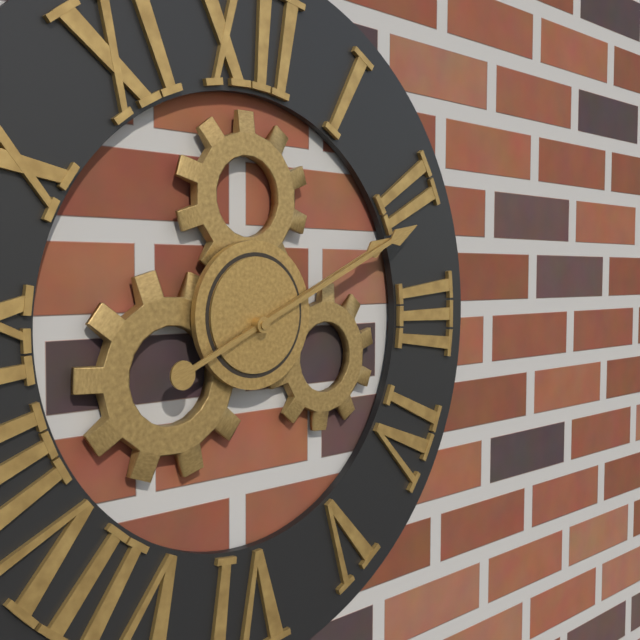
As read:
{"hour": 2, "minute": 11}
